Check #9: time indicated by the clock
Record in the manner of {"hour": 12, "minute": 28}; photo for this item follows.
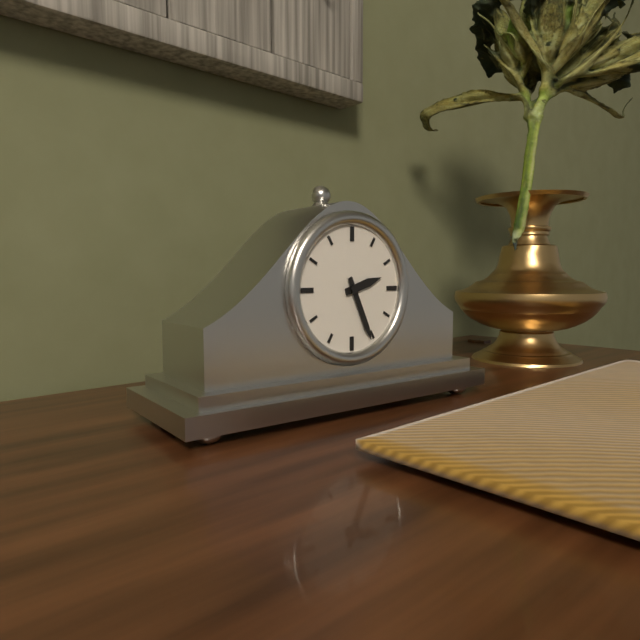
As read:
{"hour": 2, "minute": 26}
